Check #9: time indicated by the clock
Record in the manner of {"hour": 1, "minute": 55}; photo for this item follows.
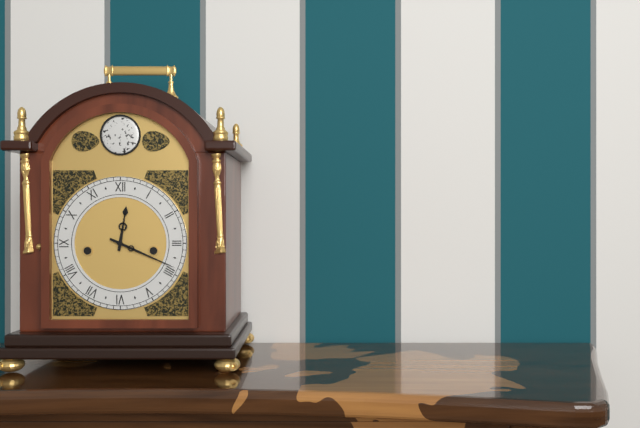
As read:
{"hour": 12, "minute": 19}
